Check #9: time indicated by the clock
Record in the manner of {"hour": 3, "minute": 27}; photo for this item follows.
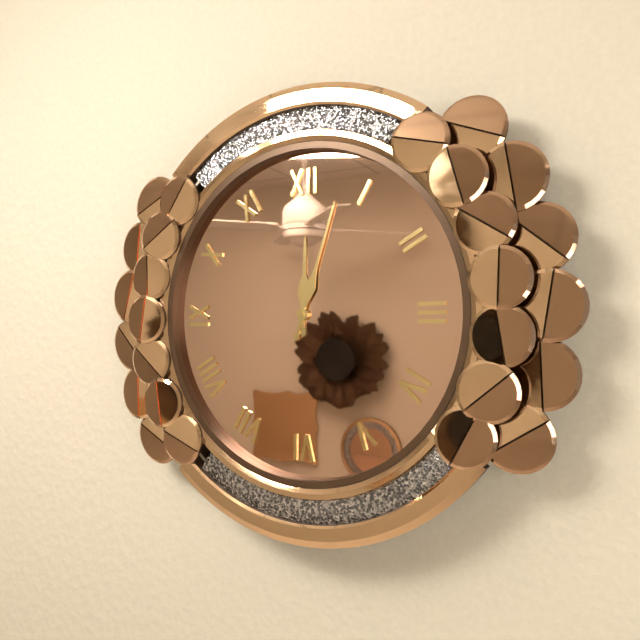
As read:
{"hour": 12, "minute": 3}
